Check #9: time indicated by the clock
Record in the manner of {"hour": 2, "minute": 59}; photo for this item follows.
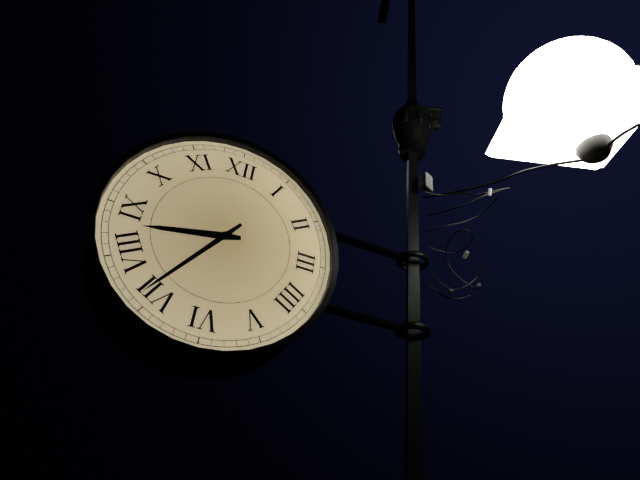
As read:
{"hour": 8, "minute": 36}
